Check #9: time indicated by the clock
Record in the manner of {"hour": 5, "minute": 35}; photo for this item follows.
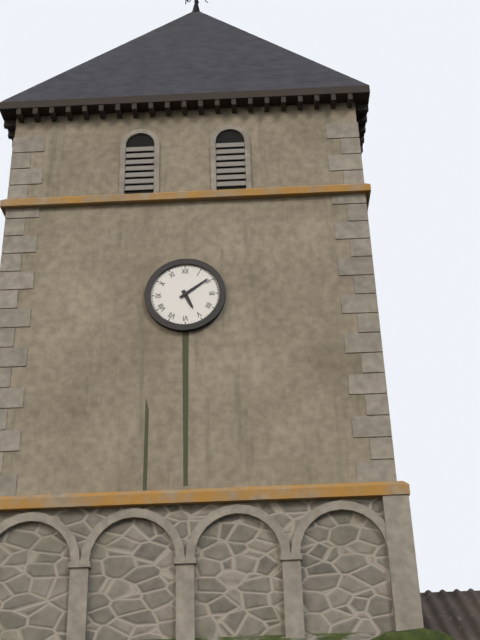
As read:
{"hour": 5, "minute": 9}
